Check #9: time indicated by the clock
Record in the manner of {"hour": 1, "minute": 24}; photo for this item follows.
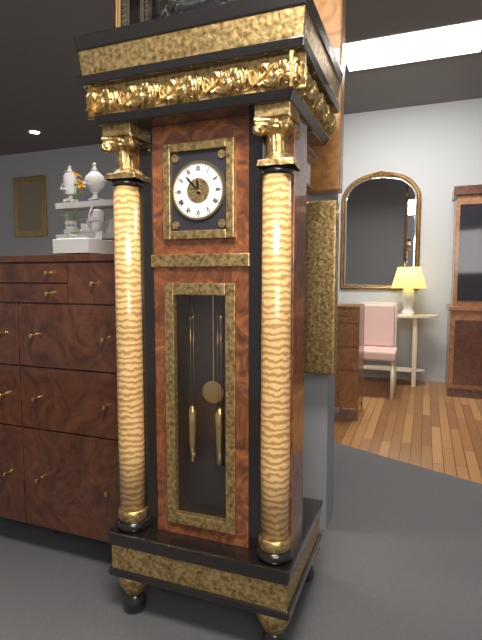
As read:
{"hour": 11, "minute": 53}
